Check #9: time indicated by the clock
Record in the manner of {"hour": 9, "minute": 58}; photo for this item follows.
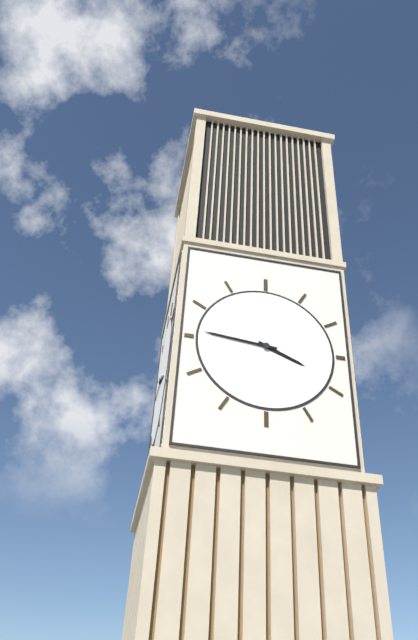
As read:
{"hour": 3, "minute": 46}
